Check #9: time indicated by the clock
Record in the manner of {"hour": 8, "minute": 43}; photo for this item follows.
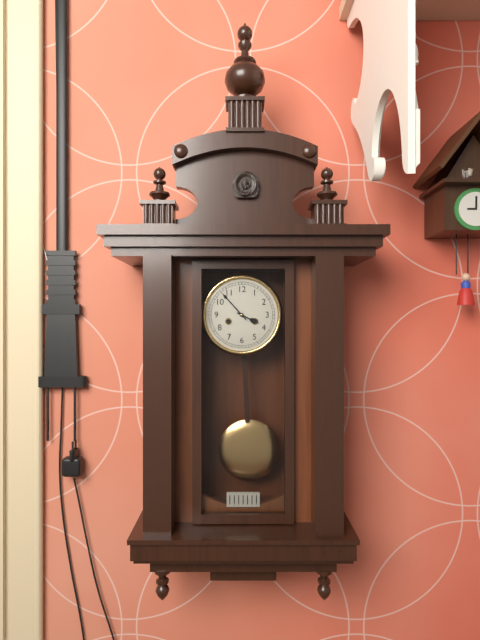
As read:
{"hour": 3, "minute": 53}
